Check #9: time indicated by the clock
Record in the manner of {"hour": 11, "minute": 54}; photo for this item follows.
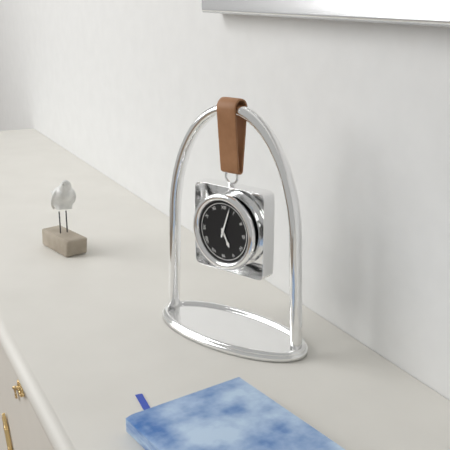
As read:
{"hour": 5, "minute": 3}
